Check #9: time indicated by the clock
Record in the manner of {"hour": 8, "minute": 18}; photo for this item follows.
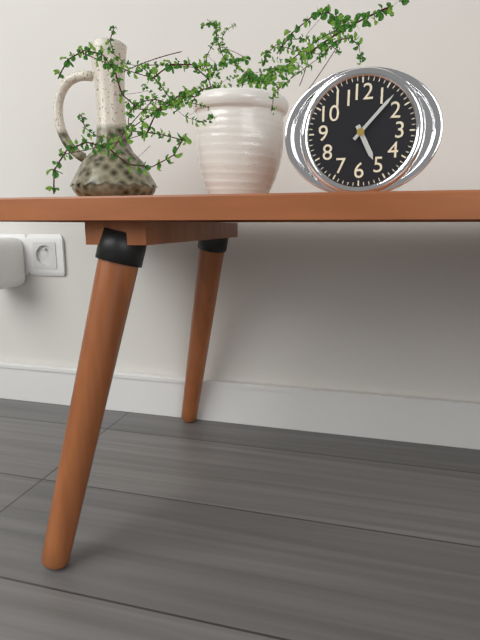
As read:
{"hour": 5, "minute": 7}
